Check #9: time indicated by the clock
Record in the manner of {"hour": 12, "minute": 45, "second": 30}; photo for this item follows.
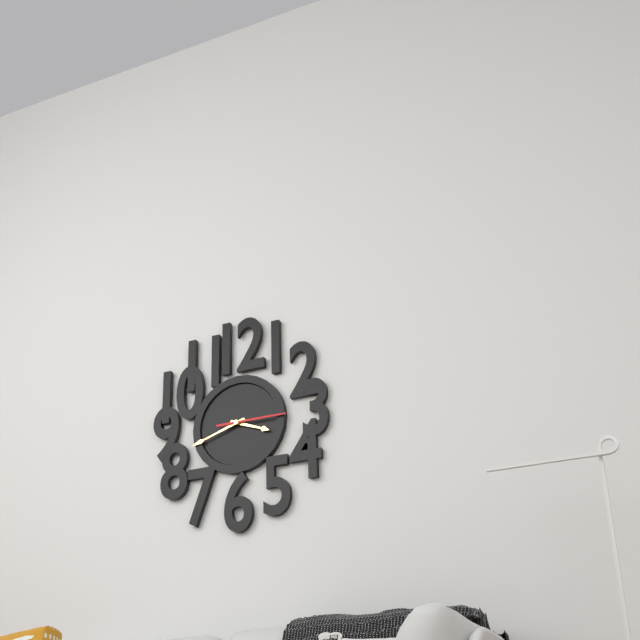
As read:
{"hour": 3, "minute": 42, "second": 15}
